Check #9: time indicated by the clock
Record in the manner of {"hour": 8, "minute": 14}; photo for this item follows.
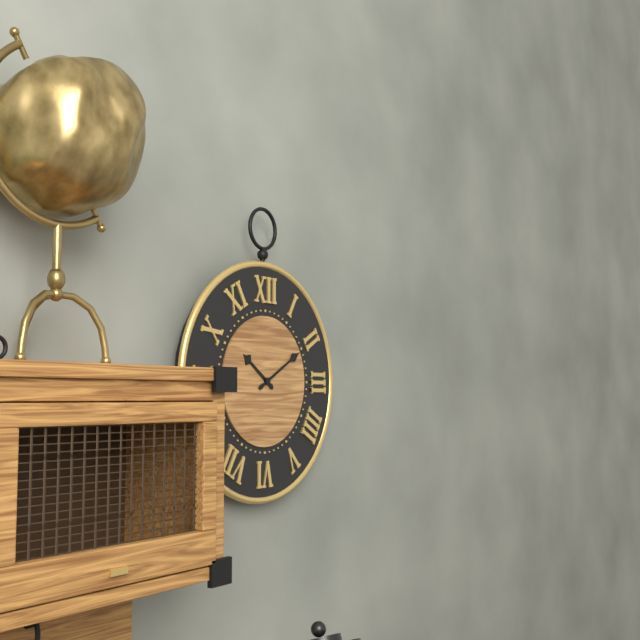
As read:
{"hour": 10, "minute": 10}
